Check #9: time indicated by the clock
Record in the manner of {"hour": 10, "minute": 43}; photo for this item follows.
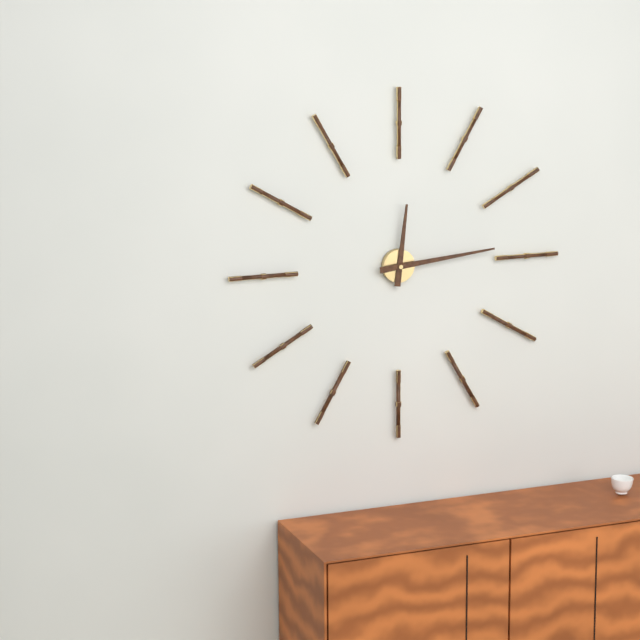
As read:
{"hour": 12, "minute": 14}
